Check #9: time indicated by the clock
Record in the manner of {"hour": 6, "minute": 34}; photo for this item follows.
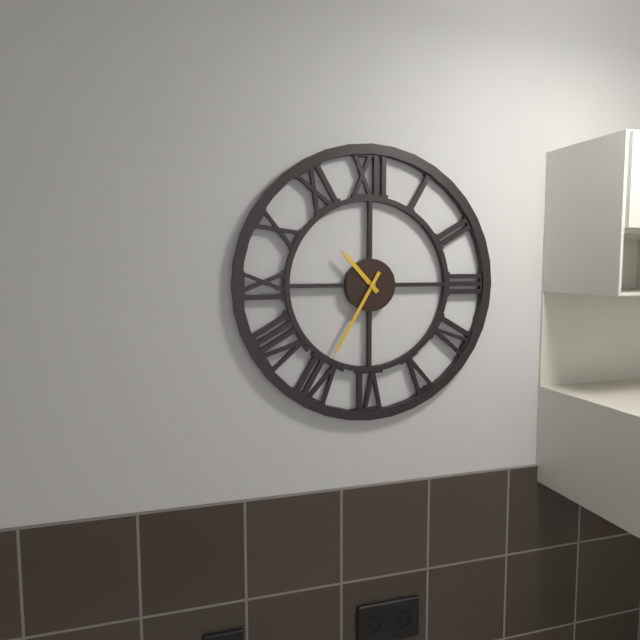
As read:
{"hour": 10, "minute": 35}
